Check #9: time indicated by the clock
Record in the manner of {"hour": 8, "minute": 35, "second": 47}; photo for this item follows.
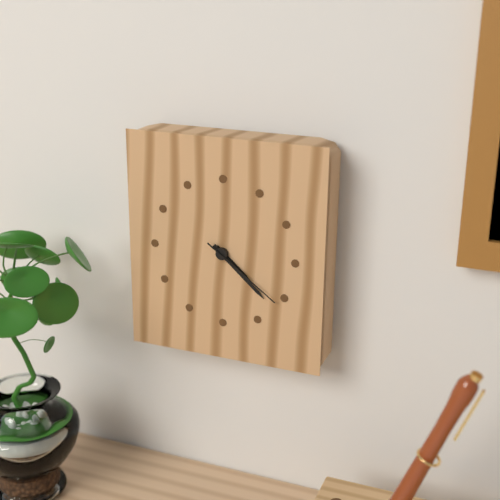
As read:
{"hour": 4, "minute": 22, "second": 21}
